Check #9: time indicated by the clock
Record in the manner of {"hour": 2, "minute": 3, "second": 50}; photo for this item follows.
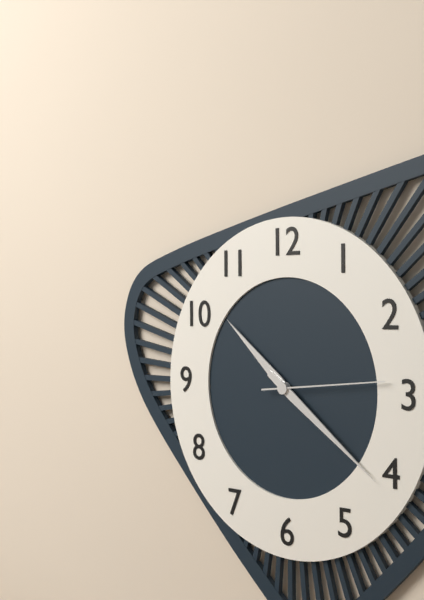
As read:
{"hour": 10, "minute": 21, "second": 14}
